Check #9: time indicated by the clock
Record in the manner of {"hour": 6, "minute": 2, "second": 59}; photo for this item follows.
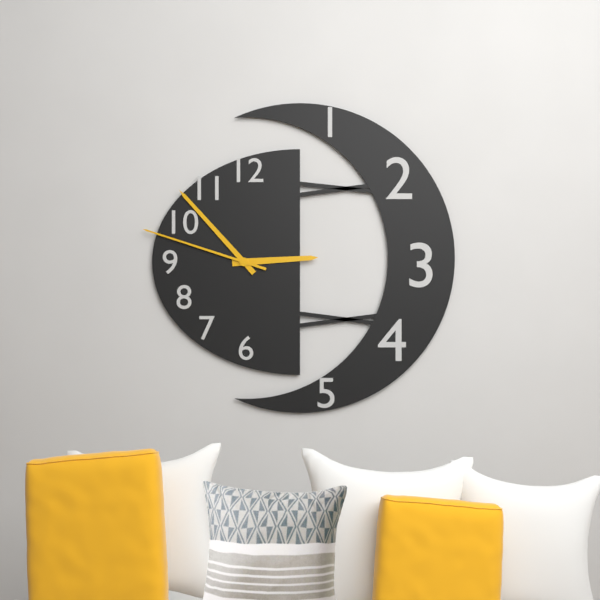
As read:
{"hour": 2, "minute": 53, "second": 48}
